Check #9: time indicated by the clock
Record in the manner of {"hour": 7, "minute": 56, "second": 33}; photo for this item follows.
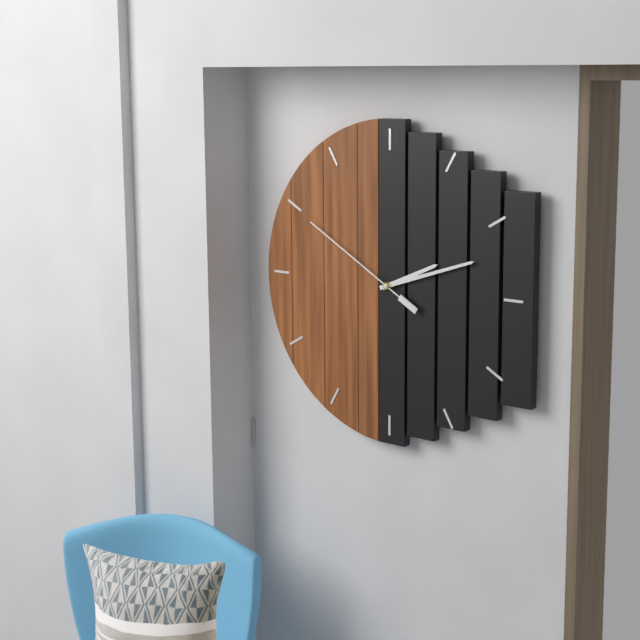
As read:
{"hour": 2, "minute": 12, "second": 50}
